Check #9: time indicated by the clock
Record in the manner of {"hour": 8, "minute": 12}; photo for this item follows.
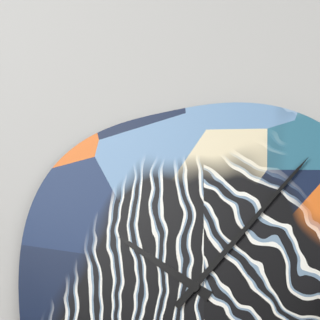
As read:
{"hour": 10, "minute": 7}
